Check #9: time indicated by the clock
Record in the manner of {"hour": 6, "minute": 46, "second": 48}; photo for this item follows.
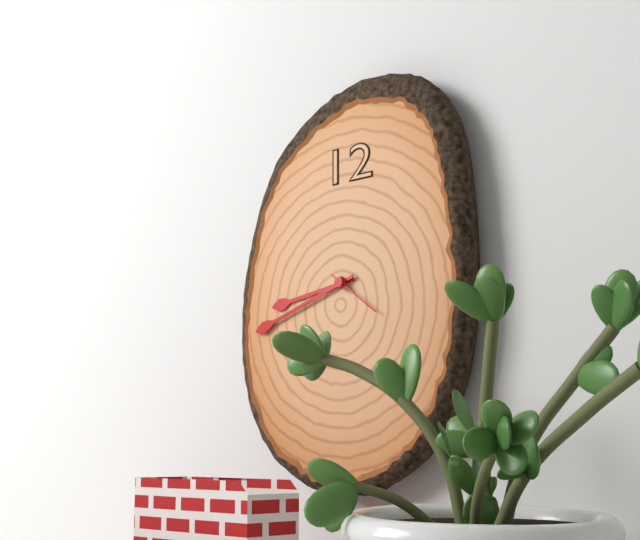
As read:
{"hour": 8, "minute": 42, "second": 21}
